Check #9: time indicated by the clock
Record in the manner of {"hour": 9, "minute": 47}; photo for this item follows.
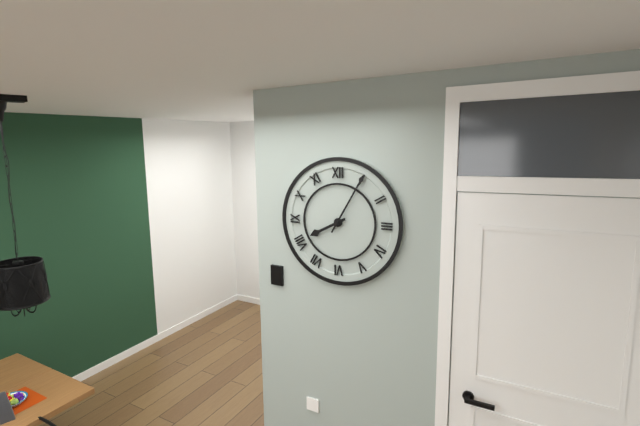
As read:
{"hour": 8, "minute": 5}
